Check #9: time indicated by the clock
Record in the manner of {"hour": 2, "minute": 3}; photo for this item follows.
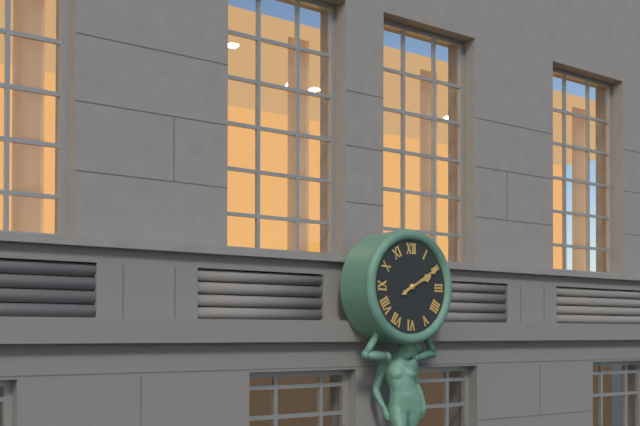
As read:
{"hour": 2, "minute": 10}
